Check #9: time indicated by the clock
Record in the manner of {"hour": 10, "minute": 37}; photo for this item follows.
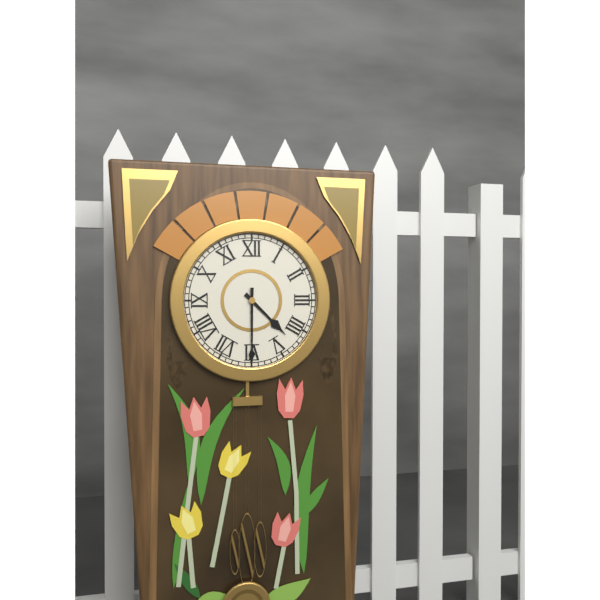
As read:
{"hour": 4, "minute": 30}
